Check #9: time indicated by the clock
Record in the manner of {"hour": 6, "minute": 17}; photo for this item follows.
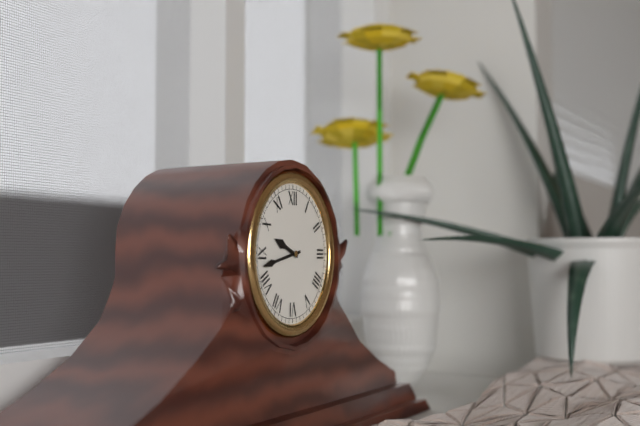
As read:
{"hour": 9, "minute": 43}
